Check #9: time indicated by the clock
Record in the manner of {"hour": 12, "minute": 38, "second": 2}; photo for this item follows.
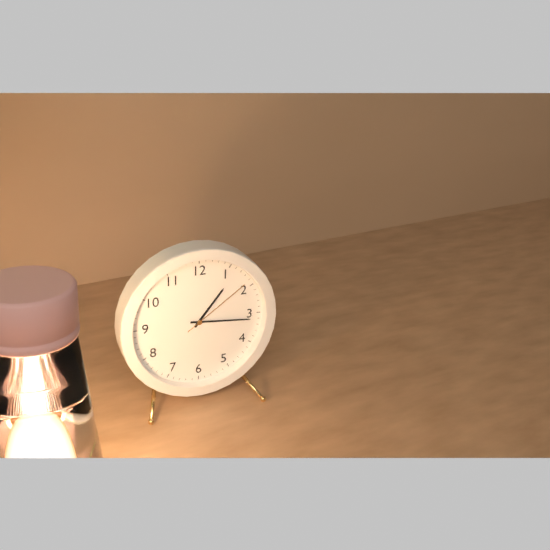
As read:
{"hour": 1, "minute": 16, "second": 9}
